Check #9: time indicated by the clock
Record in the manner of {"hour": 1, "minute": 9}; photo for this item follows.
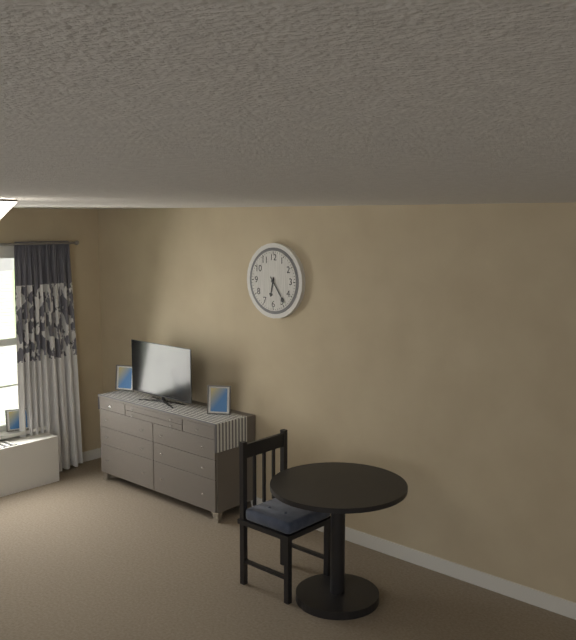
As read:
{"hour": 6, "minute": 24}
